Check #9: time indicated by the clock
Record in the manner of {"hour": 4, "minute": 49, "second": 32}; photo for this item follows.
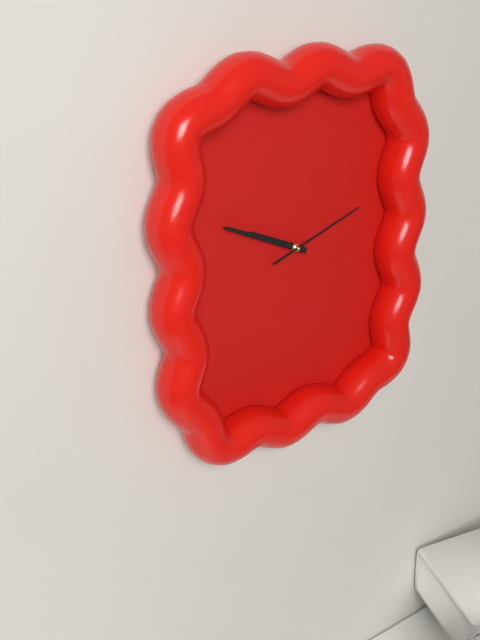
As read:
{"hour": 9, "minute": 49, "second": 12}
